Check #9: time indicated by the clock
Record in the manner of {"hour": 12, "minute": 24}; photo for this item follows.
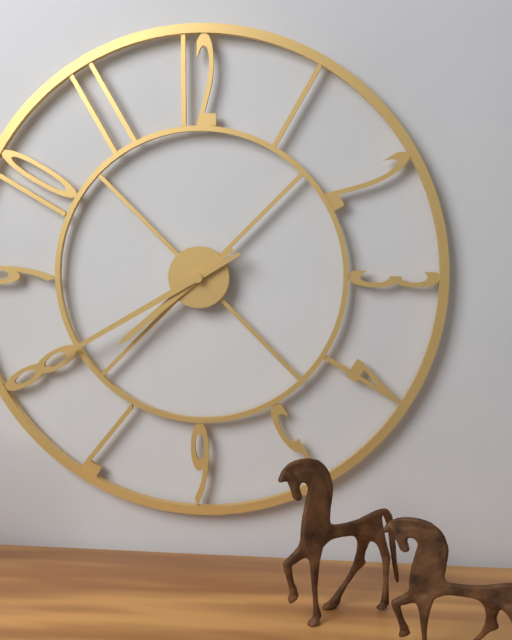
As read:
{"hour": 7, "minute": 40}
